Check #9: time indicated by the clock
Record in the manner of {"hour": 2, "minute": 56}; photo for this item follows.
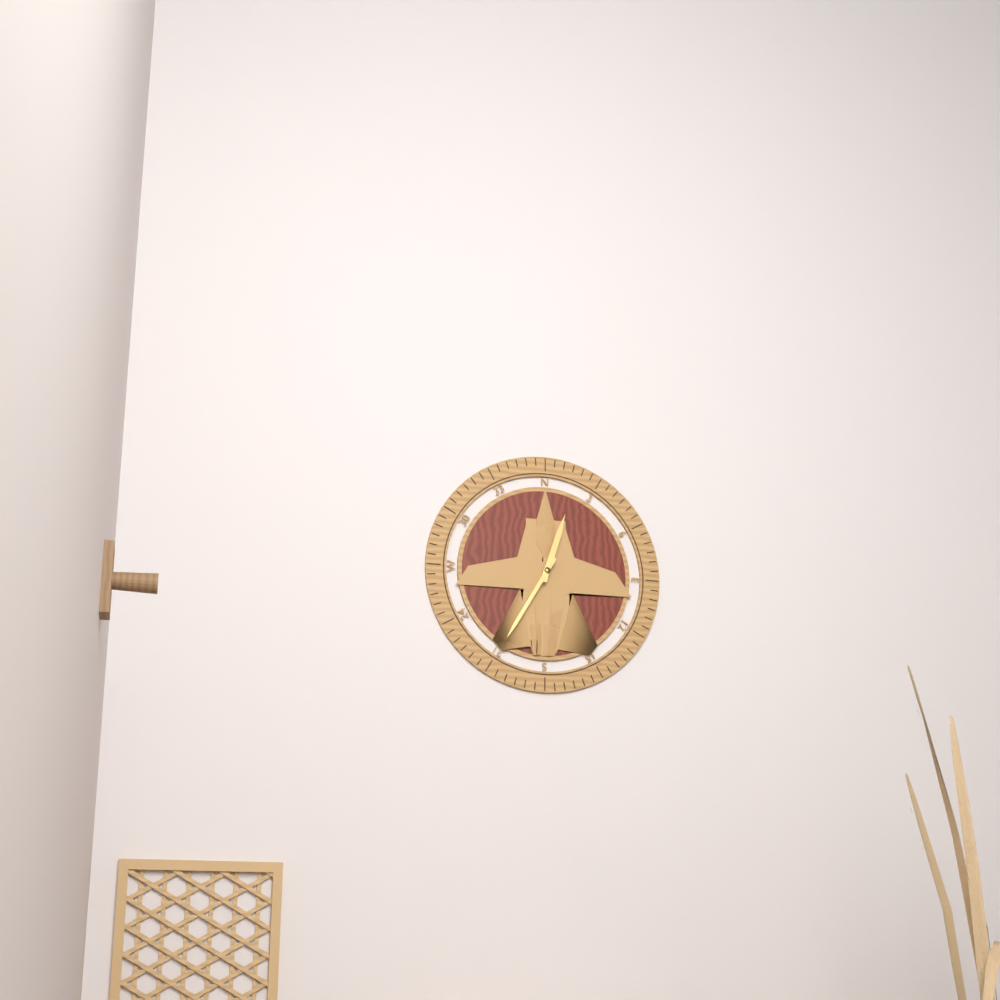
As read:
{"hour": 12, "minute": 35}
